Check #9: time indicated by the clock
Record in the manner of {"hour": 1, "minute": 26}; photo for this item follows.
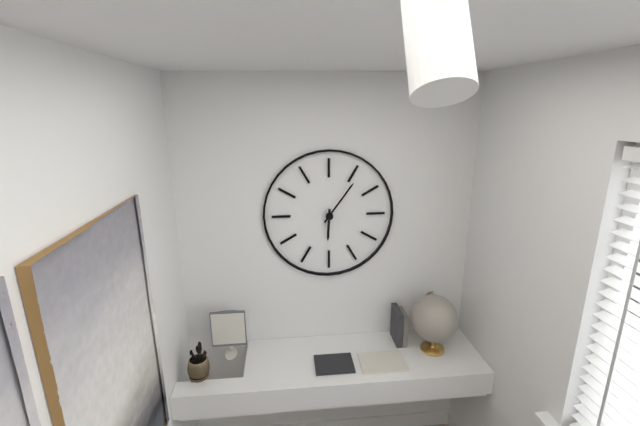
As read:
{"hour": 6, "minute": 6}
